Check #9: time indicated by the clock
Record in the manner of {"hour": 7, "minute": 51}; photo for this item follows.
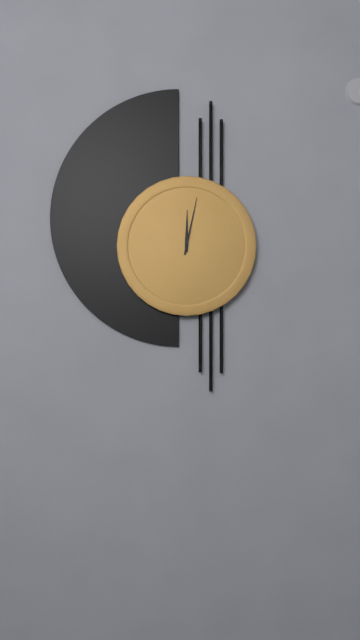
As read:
{"hour": 12, "minute": 2}
